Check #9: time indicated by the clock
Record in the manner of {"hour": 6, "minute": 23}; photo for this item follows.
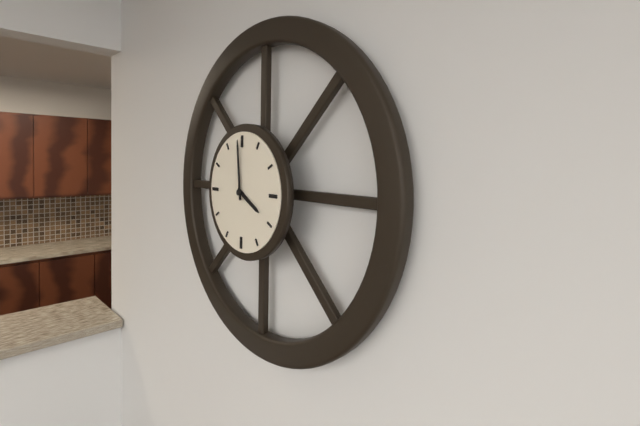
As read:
{"hour": 3, "minute": 59}
